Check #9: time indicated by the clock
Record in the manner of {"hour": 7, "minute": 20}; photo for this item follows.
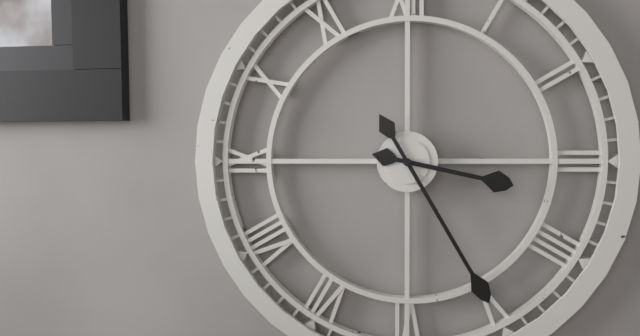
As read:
{"hour": 3, "minute": 25}
